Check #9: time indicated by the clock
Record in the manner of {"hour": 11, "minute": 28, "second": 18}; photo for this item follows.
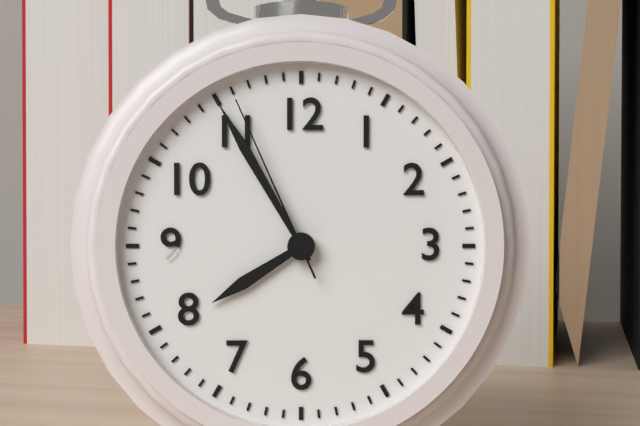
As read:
{"hour": 7, "minute": 55, "second": 56}
